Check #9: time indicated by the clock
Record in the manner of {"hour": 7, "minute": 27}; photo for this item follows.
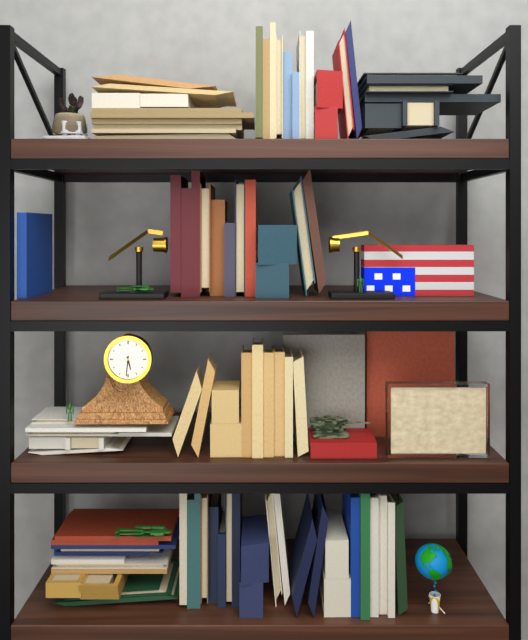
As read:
{"hour": 5, "minute": 31}
